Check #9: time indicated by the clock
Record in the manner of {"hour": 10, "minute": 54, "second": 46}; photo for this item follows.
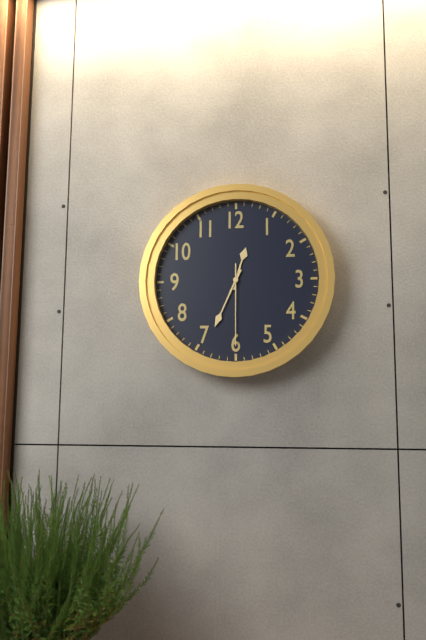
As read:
{"hour": 12, "minute": 34, "second": 30}
